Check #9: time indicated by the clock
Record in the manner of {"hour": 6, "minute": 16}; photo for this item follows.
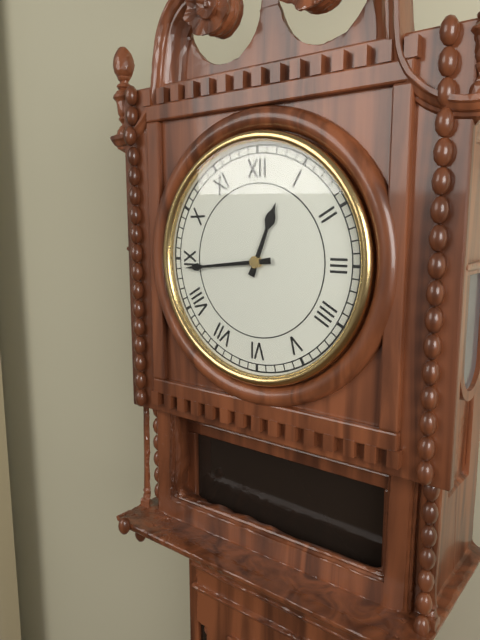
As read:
{"hour": 12, "minute": 44}
